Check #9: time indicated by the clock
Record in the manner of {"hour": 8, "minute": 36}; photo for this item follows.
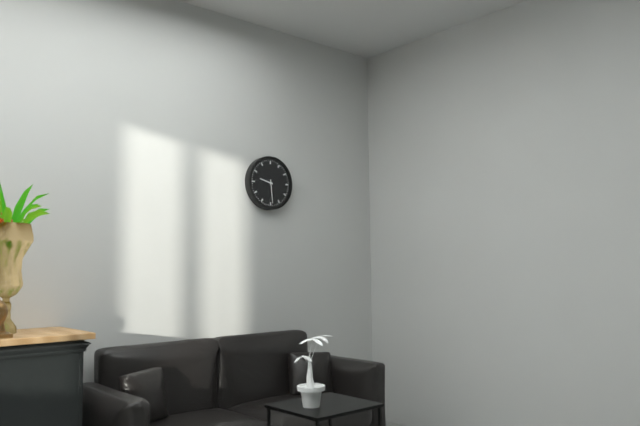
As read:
{"hour": 9, "minute": 29}
